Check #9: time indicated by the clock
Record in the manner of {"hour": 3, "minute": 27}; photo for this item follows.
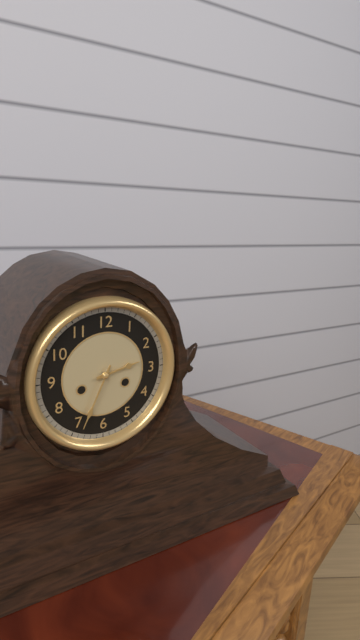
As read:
{"hour": 2, "minute": 34}
